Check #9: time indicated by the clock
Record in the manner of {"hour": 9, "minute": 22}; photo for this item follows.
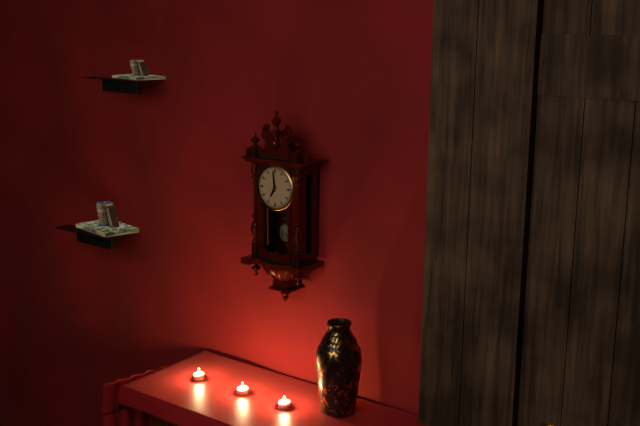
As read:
{"hour": 6, "minute": 59}
